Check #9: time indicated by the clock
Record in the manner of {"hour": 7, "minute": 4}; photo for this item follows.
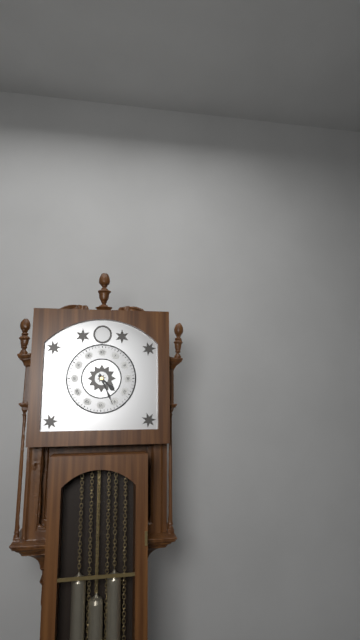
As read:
{"hour": 4, "minute": 26}
